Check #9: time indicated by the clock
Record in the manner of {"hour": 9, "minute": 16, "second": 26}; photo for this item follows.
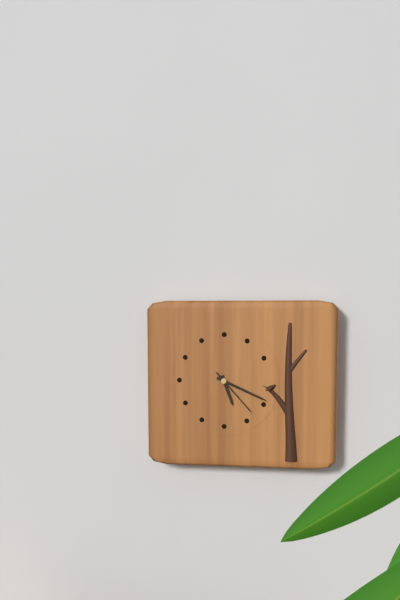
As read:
{"hour": 5, "minute": 19, "second": 23}
